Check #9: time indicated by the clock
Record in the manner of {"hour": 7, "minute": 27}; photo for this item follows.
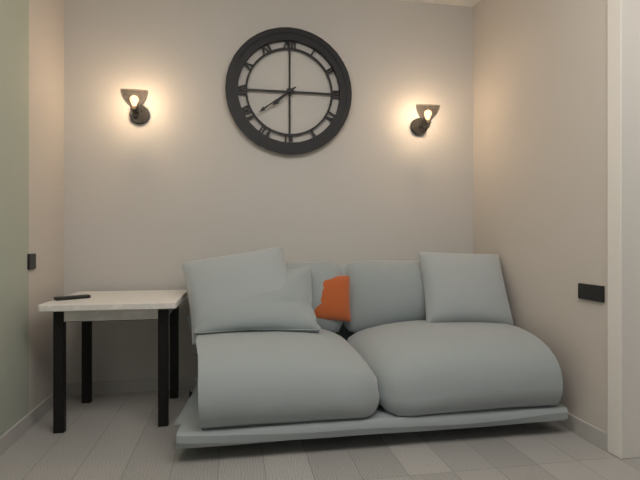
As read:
{"hour": 7, "minute": 39}
